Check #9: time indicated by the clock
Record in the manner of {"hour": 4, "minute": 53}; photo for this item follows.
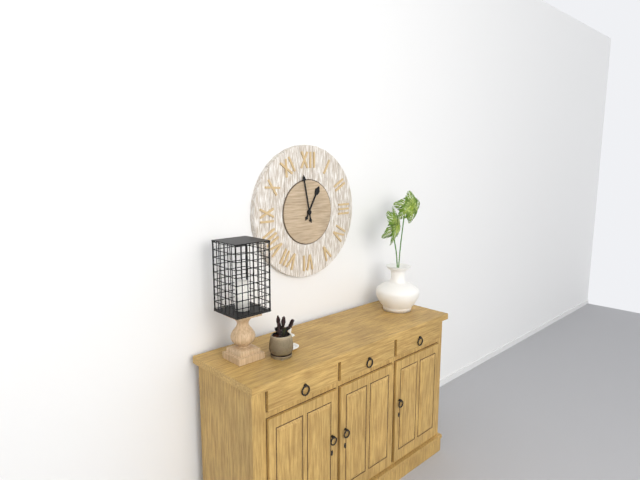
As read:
{"hour": 12, "minute": 58}
